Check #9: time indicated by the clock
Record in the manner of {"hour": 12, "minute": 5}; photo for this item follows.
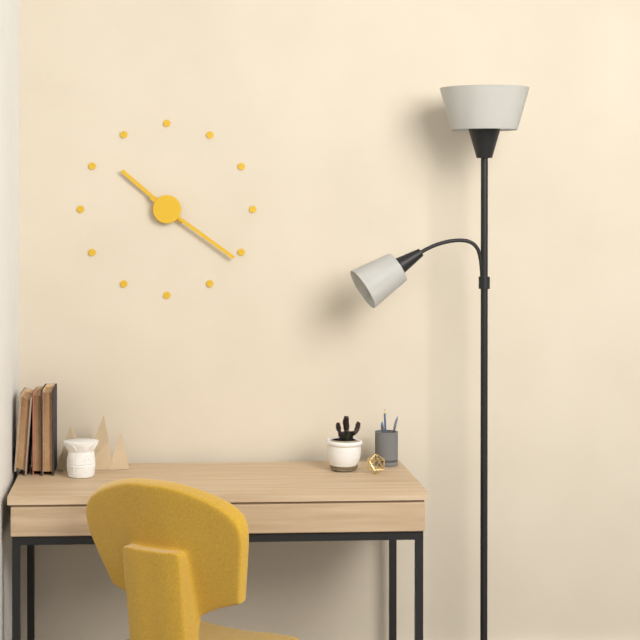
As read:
{"hour": 10, "minute": 21}
